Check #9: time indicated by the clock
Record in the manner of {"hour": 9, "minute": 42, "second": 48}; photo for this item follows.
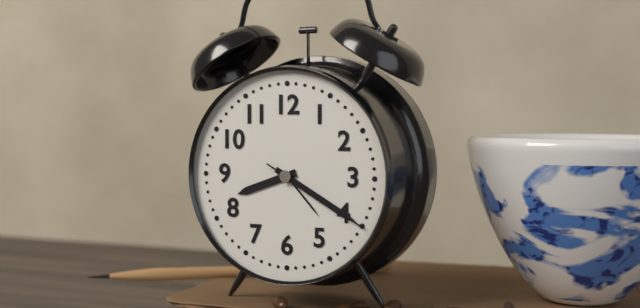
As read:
{"hour": 8, "minute": 20, "second": 20}
